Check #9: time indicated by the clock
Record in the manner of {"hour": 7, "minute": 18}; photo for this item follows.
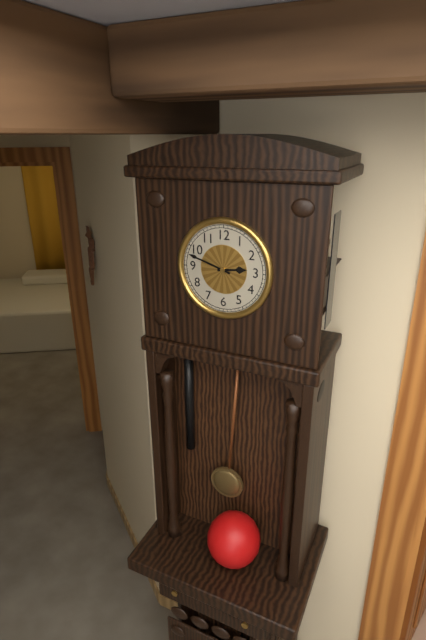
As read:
{"hour": 2, "minute": 48}
